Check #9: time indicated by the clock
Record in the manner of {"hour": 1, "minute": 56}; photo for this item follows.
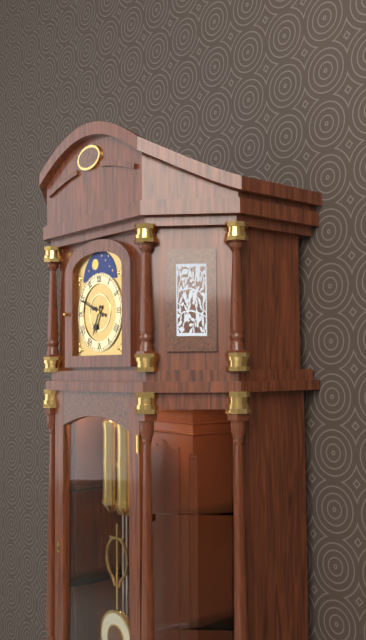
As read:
{"hour": 6, "minute": 49}
